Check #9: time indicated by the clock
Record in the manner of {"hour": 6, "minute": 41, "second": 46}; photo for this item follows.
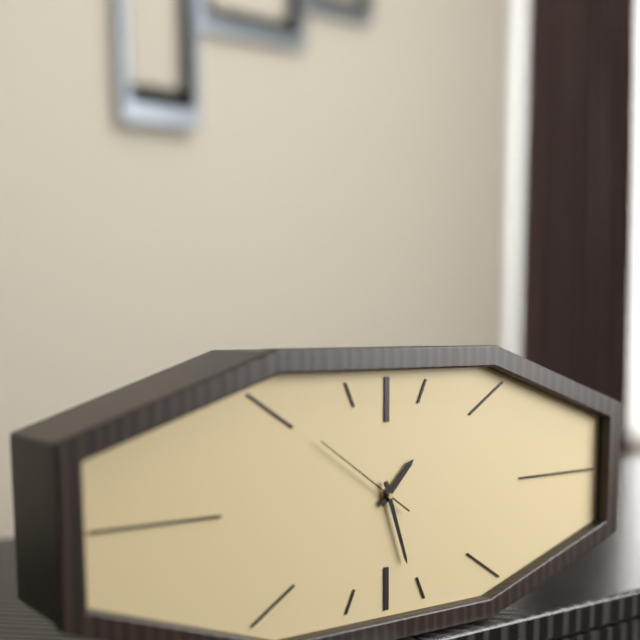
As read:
{"hour": 1, "minute": 27, "second": 51}
